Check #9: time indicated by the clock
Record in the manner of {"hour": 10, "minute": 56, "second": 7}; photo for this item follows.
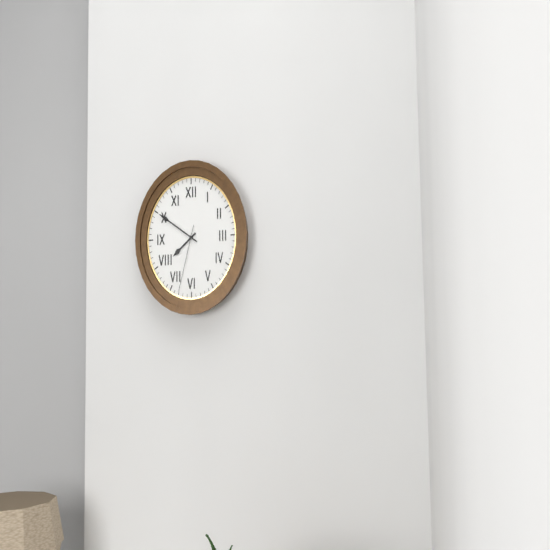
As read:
{"hour": 7, "minute": 50, "second": 33}
